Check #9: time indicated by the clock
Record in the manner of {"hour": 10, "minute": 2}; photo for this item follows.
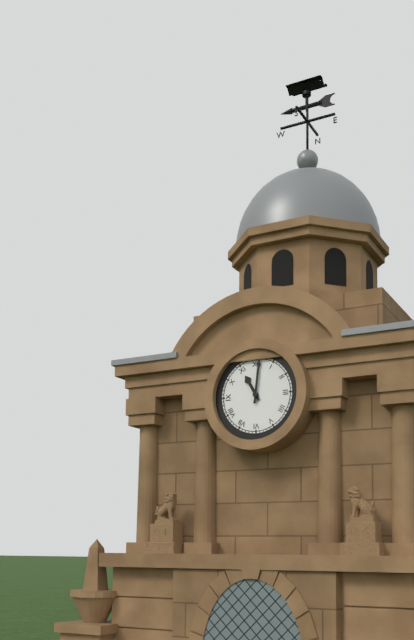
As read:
{"hour": 11, "minute": 1}
